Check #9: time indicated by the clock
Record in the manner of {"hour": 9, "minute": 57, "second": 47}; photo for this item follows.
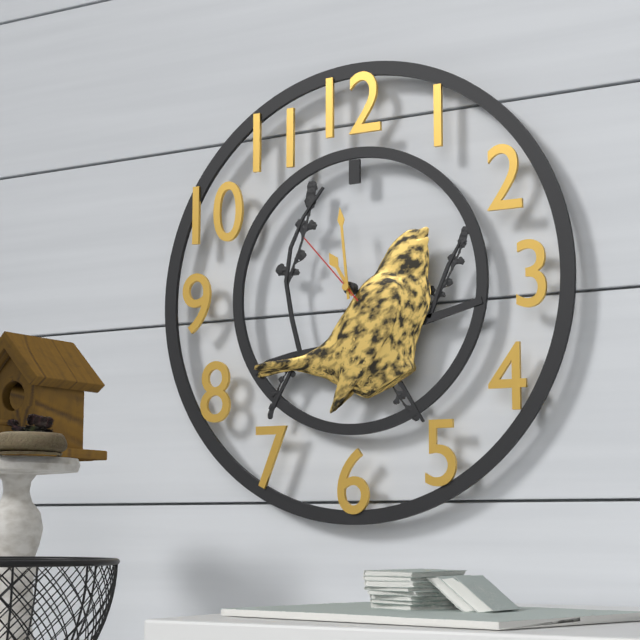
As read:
{"hour": 10, "minute": 59, "second": 53}
